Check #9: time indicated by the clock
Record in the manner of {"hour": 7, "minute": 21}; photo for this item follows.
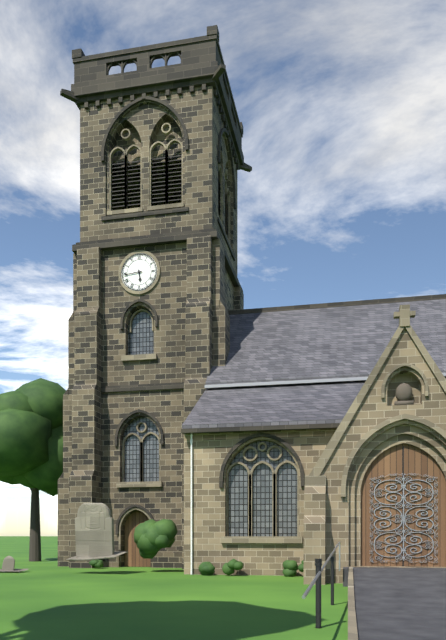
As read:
{"hour": 5, "minute": 44}
